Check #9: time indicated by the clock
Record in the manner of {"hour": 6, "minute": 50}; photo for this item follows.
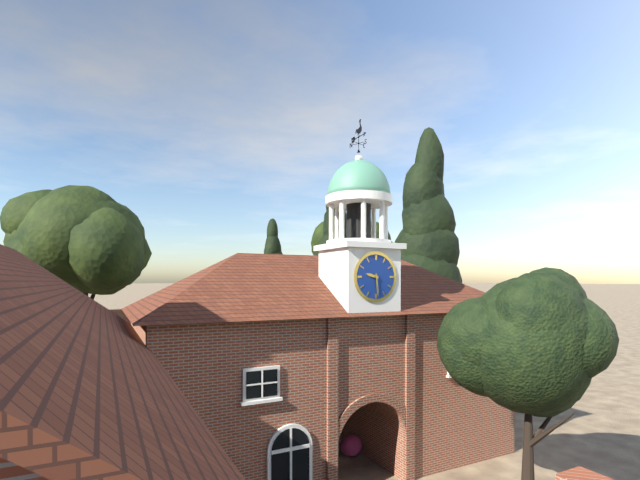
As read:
{"hour": 9, "minute": 29}
